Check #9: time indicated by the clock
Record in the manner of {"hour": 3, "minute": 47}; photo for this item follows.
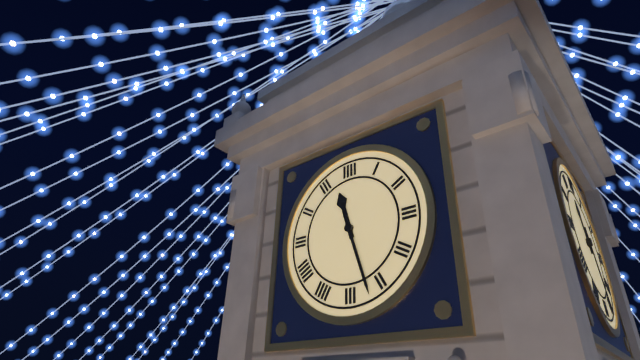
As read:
{"hour": 11, "minute": 27}
